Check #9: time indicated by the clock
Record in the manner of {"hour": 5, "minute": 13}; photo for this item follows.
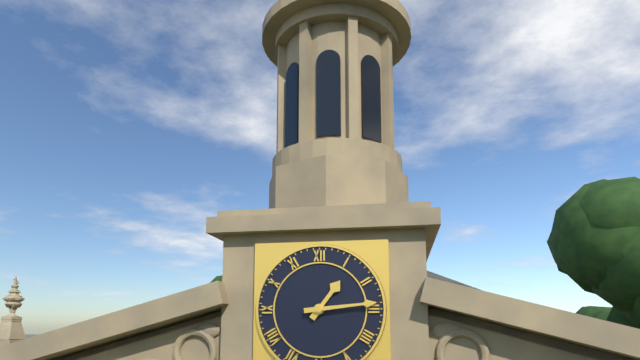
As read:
{"hour": 1, "minute": 14}
